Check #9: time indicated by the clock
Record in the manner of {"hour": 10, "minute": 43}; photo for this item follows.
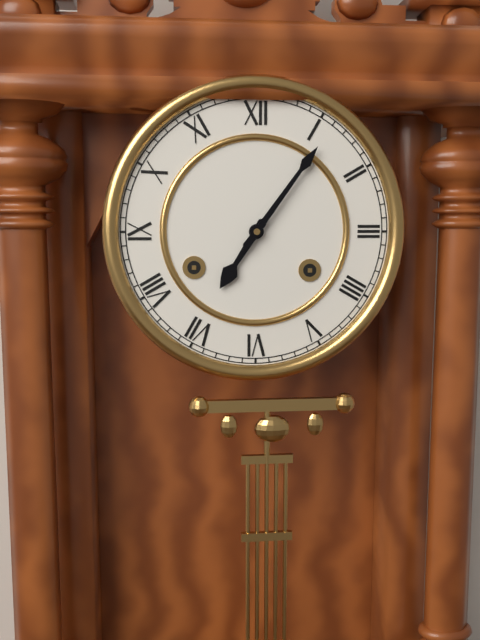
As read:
{"hour": 7, "minute": 6}
